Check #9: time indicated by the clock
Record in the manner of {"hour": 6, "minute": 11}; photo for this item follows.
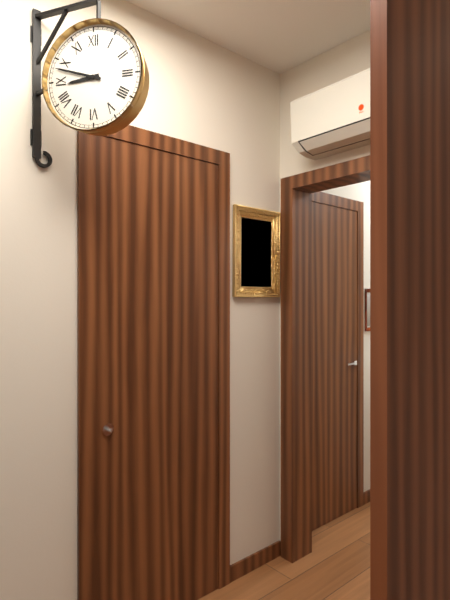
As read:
{"hour": 8, "minute": 48}
